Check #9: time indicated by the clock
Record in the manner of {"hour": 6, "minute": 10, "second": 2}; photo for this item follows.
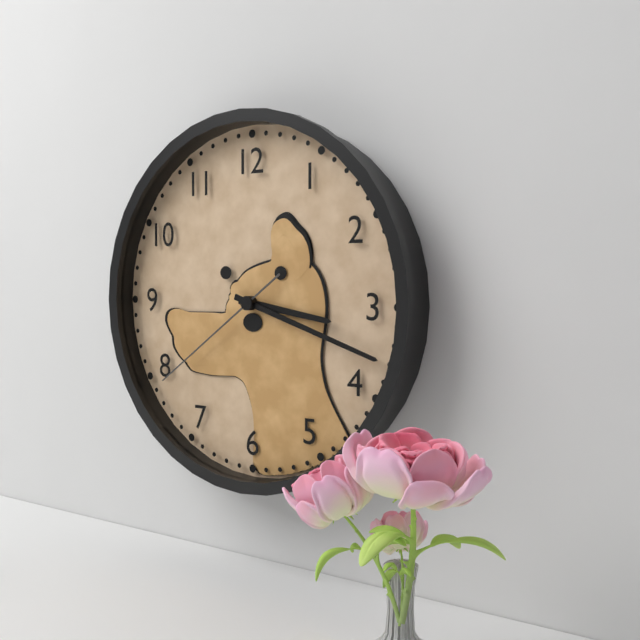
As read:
{"hour": 3, "minute": 18, "second": 39}
